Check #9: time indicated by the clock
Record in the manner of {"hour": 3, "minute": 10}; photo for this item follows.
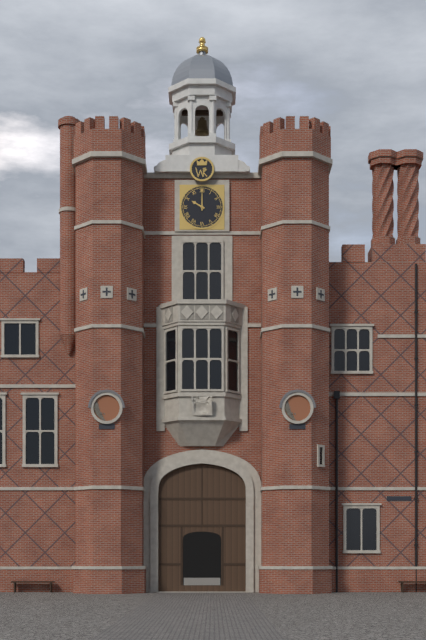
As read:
{"hour": 10, "minute": 0}
